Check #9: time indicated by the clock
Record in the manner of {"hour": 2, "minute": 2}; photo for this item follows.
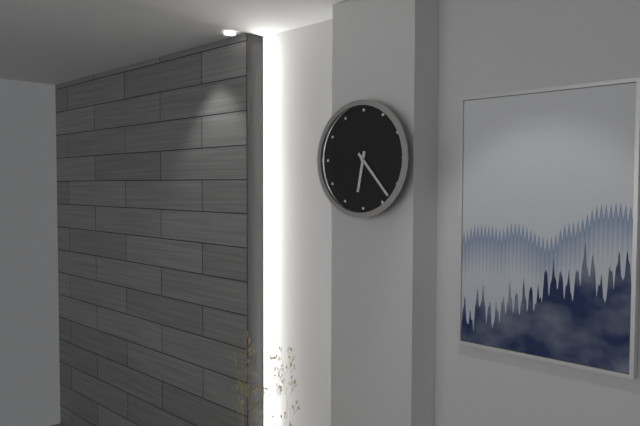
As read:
{"hour": 6, "minute": 23}
